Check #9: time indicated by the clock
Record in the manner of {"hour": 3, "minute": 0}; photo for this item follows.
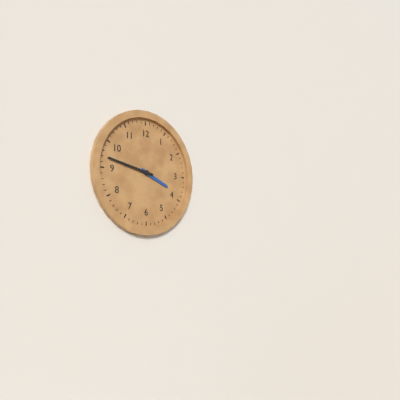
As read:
{"hour": 3, "minute": 47}
